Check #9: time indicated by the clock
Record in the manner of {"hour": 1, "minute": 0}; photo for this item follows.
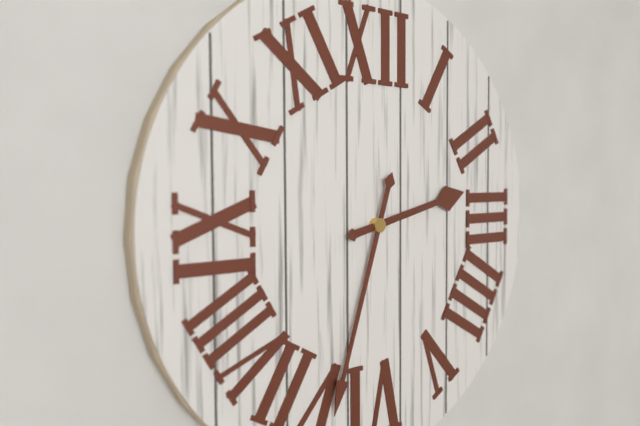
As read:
{"hour": 2, "minute": 33}
